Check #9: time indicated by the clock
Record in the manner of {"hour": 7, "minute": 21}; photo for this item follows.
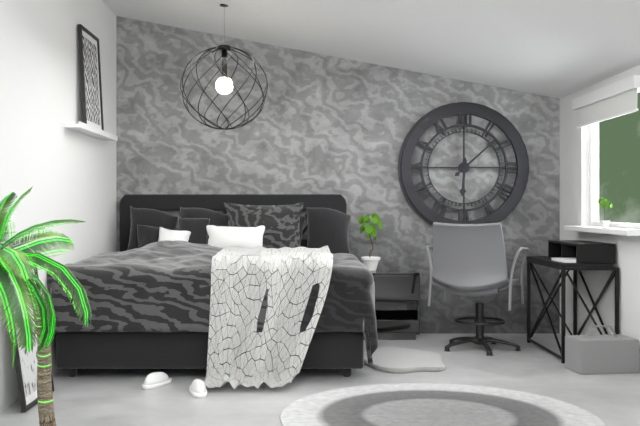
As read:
{"hour": 6, "minute": 8}
